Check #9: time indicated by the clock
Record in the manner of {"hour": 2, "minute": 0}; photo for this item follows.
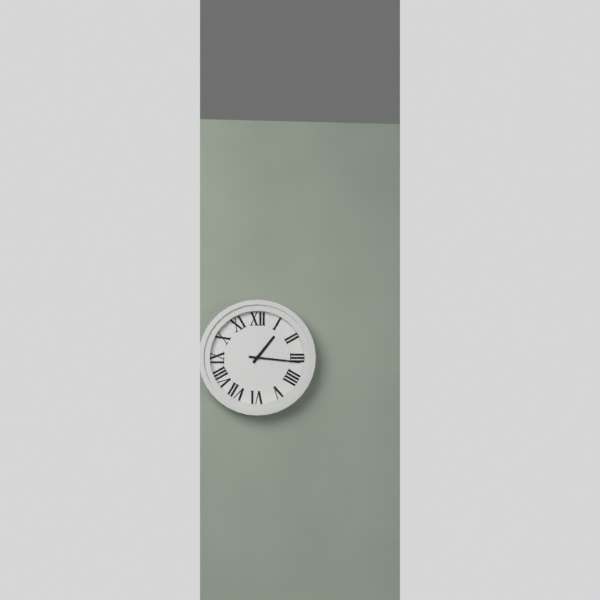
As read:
{"hour": 1, "minute": 16}
